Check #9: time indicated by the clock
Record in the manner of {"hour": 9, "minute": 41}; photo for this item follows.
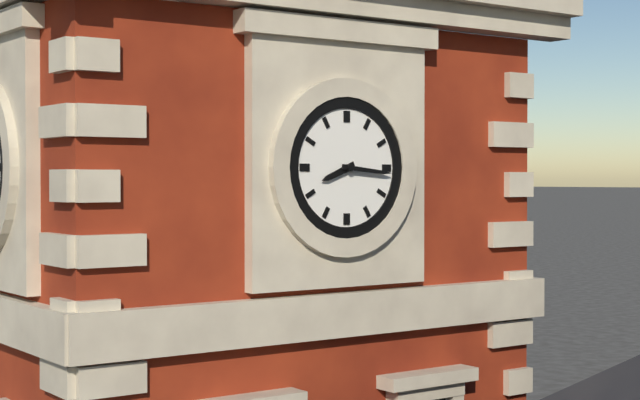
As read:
{"hour": 8, "minute": 16}
